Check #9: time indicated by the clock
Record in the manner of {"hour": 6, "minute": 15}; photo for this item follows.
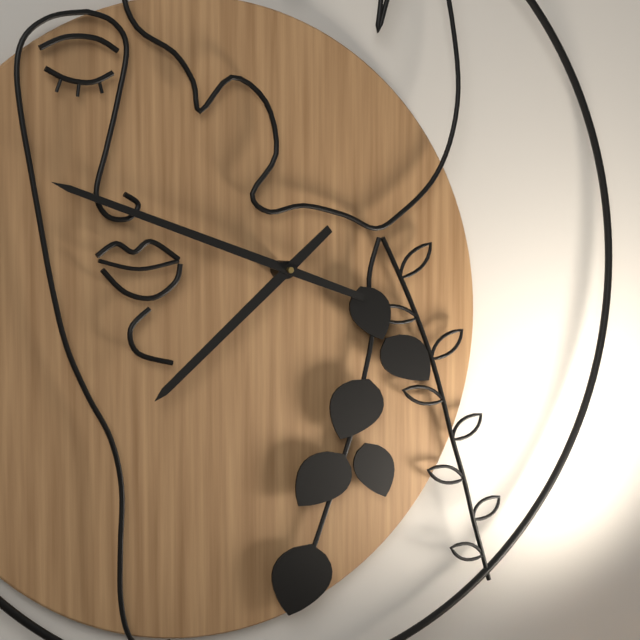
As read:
{"hour": 7, "minute": 49}
